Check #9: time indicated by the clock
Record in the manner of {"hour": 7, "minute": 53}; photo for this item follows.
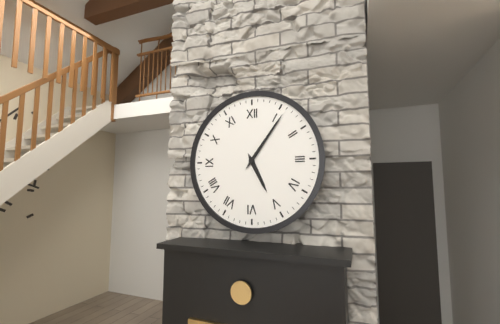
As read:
{"hour": 5, "minute": 6}
